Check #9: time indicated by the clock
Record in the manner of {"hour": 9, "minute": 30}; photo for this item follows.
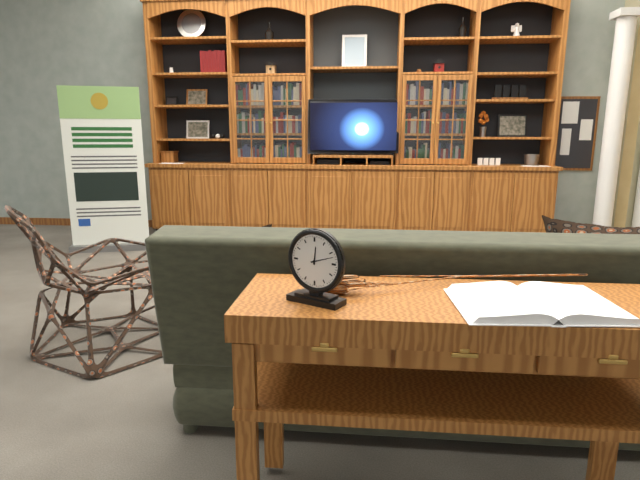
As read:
{"hour": 12, "minute": 12}
